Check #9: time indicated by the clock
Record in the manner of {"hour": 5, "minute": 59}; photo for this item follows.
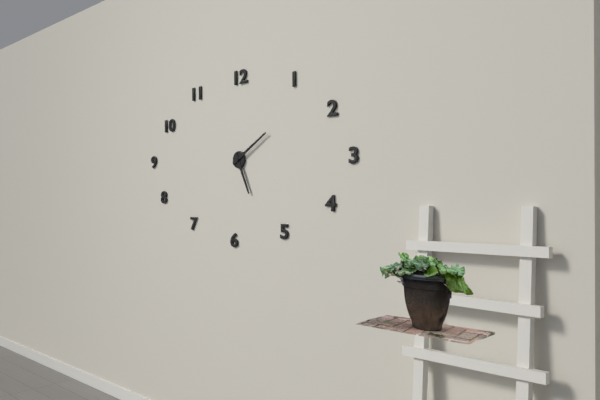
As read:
{"hour": 5, "minute": 10}
